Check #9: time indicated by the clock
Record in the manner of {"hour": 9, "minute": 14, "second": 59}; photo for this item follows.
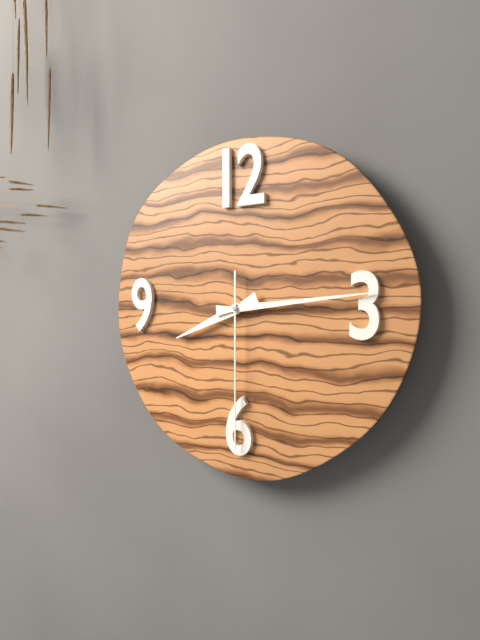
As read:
{"hour": 8, "minute": 14, "second": 30}
